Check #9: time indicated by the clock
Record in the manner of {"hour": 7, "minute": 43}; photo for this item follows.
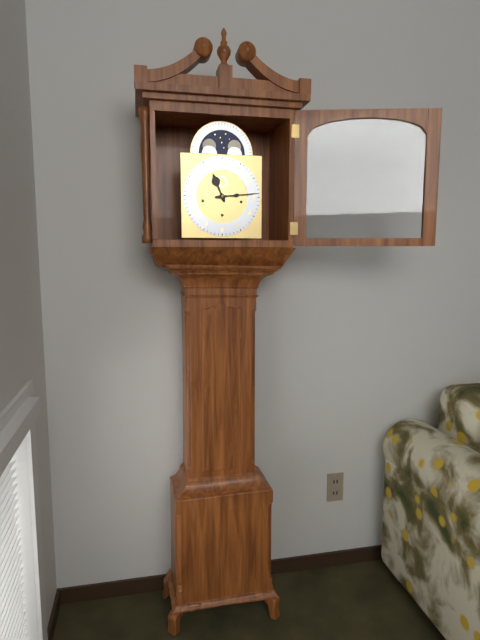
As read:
{"hour": 11, "minute": 14}
